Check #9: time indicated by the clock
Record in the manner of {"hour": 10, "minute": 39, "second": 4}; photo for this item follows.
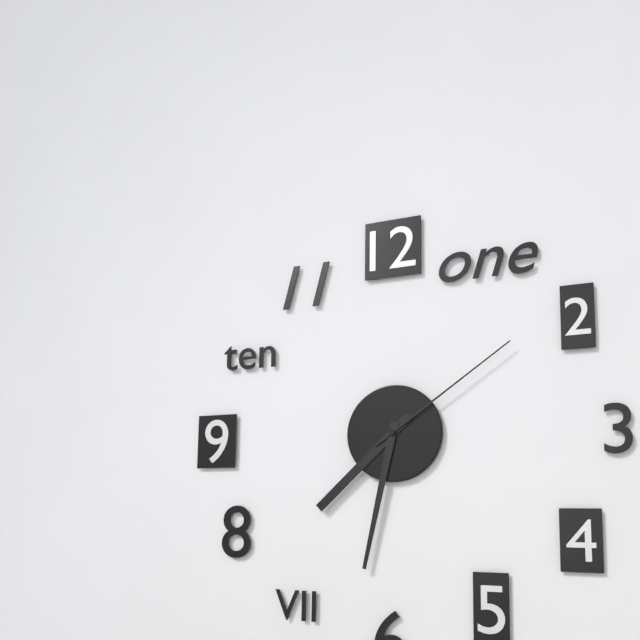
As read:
{"hour": 7, "minute": 32, "second": 9}
